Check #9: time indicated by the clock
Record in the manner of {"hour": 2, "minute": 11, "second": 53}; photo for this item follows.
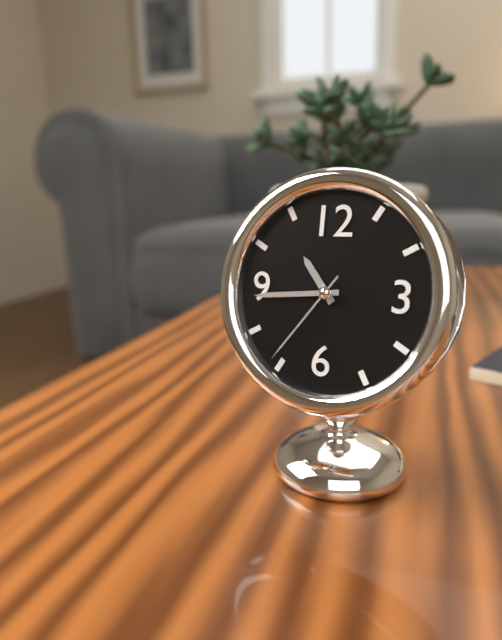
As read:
{"hour": 10, "minute": 44, "second": 36}
